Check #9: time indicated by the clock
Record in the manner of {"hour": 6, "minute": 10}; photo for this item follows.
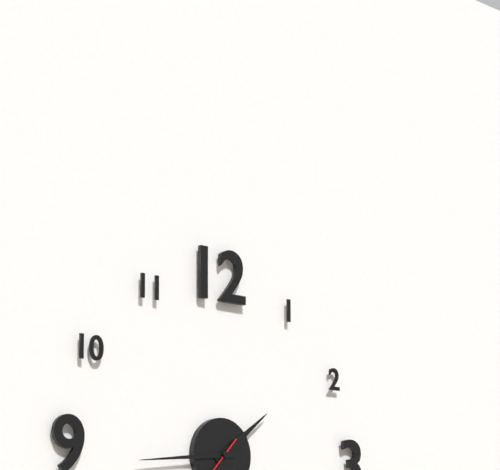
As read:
{"hour": 1, "minute": 44}
